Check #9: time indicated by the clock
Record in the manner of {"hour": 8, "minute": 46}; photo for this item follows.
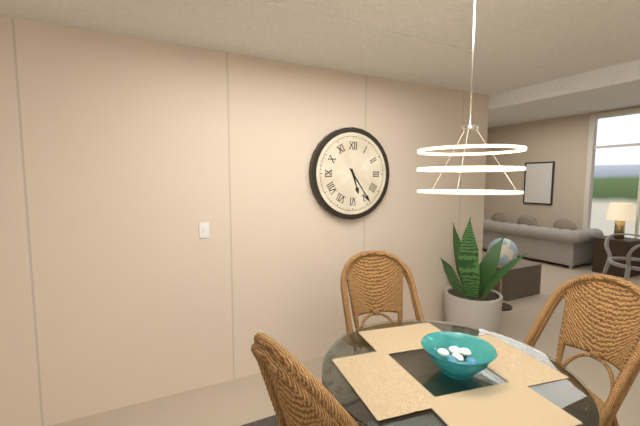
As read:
{"hour": 5, "minute": 24}
